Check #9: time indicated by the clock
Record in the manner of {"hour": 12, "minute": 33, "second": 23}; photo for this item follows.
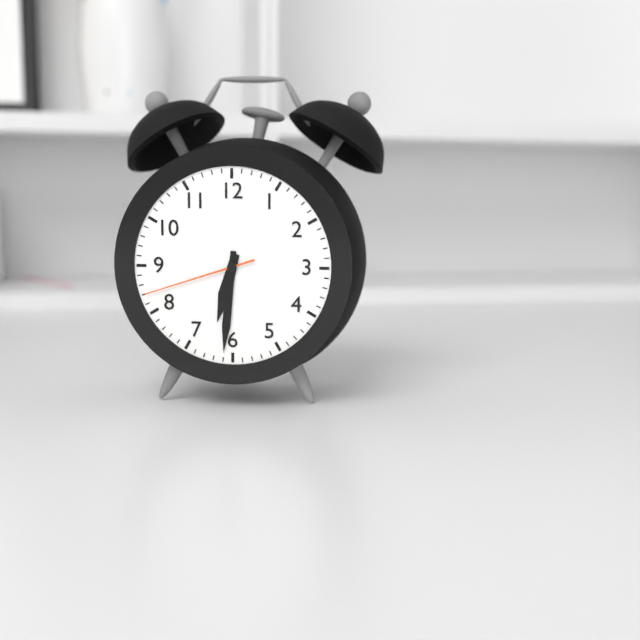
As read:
{"hour": 6, "minute": 31, "second": 42}
